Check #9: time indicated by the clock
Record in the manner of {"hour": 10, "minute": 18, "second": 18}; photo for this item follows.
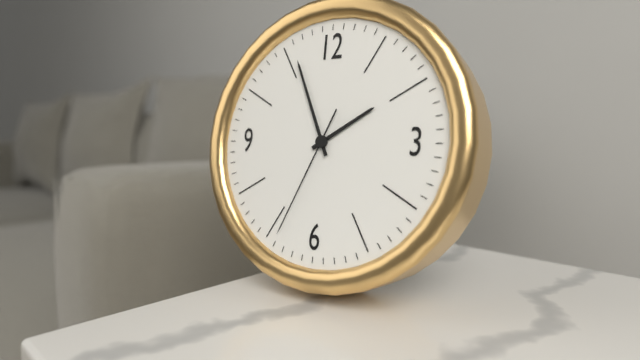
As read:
{"hour": 1, "minute": 56, "second": 34}
